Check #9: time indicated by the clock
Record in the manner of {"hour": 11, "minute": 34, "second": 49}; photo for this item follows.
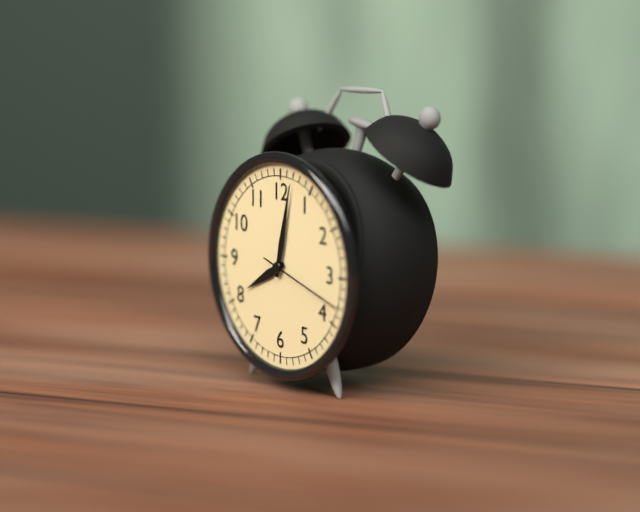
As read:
{"hour": 8, "minute": 2, "second": 18}
